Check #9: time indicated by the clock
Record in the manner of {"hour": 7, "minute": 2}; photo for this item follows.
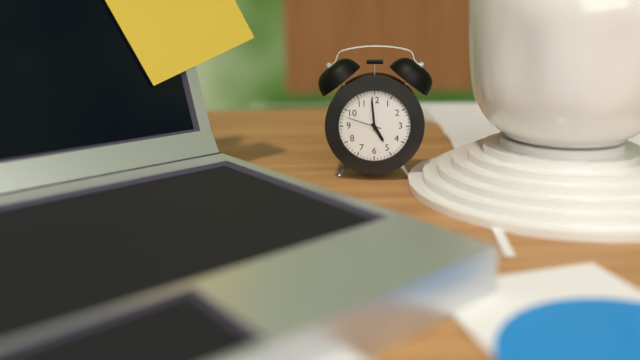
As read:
{"hour": 4, "minute": 59}
